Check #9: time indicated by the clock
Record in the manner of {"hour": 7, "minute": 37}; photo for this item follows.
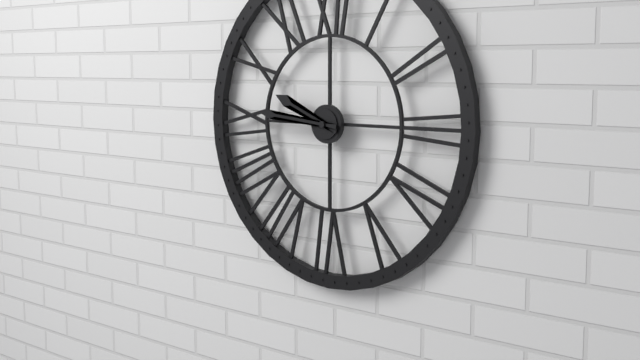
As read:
{"hour": 9, "minute": 46}
